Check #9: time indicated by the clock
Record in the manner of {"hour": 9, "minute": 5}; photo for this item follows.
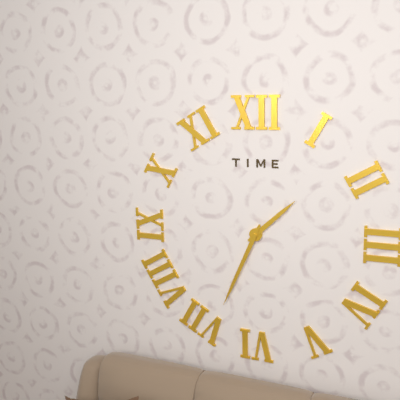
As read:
{"hour": 1, "minute": 34}
